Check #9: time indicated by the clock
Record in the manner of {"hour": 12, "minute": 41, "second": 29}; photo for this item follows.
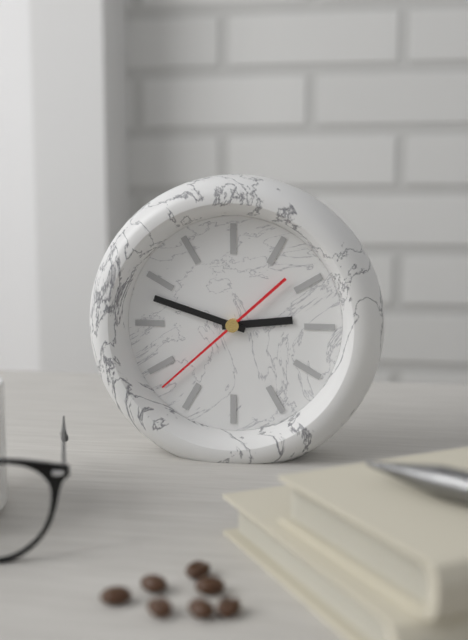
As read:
{"hour": 2, "minute": 48, "second": 38}
